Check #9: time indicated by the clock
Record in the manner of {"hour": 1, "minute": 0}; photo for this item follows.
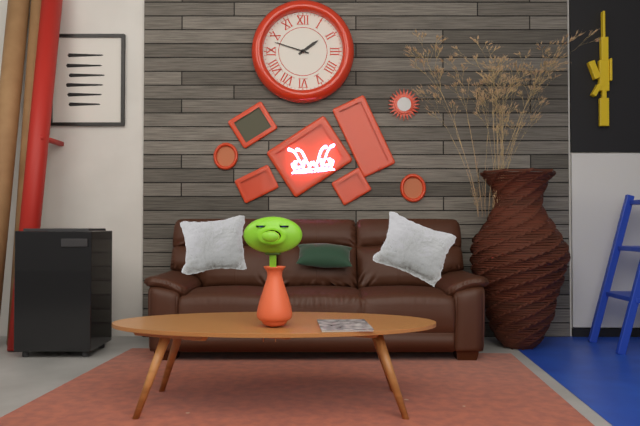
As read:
{"hour": 1, "minute": 48}
